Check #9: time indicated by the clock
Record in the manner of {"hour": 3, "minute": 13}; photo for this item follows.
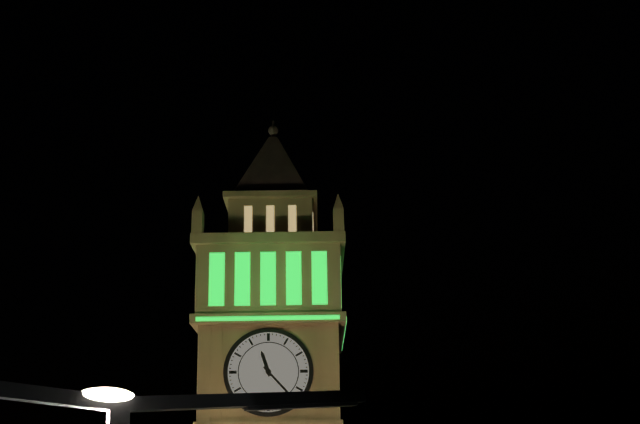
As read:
{"hour": 11, "minute": 23}
